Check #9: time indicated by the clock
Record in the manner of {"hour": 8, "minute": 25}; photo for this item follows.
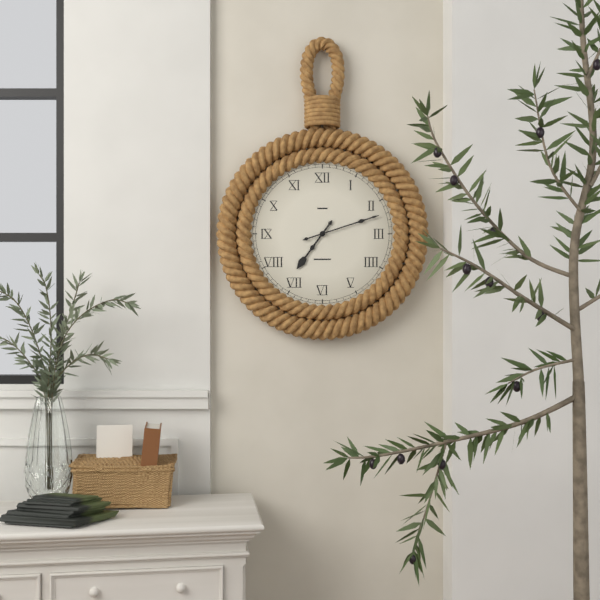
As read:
{"hour": 7, "minute": 12}
